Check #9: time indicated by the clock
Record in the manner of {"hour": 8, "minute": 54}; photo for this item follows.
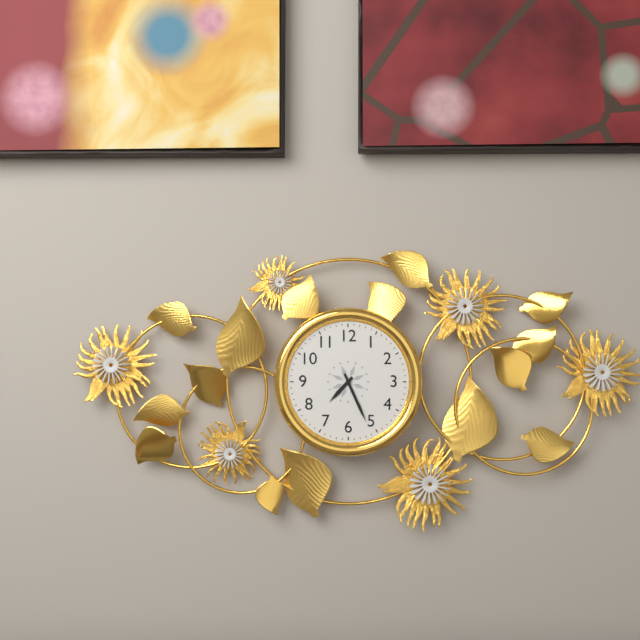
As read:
{"hour": 7, "minute": 26}
